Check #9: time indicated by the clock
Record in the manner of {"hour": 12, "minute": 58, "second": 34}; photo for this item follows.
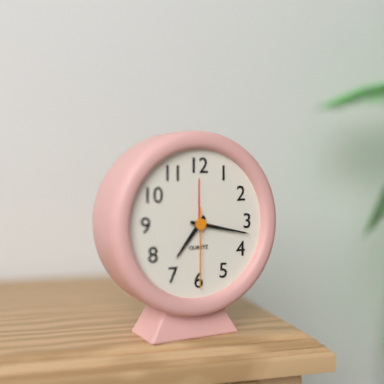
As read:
{"hour": 7, "minute": 17, "second": 30}
